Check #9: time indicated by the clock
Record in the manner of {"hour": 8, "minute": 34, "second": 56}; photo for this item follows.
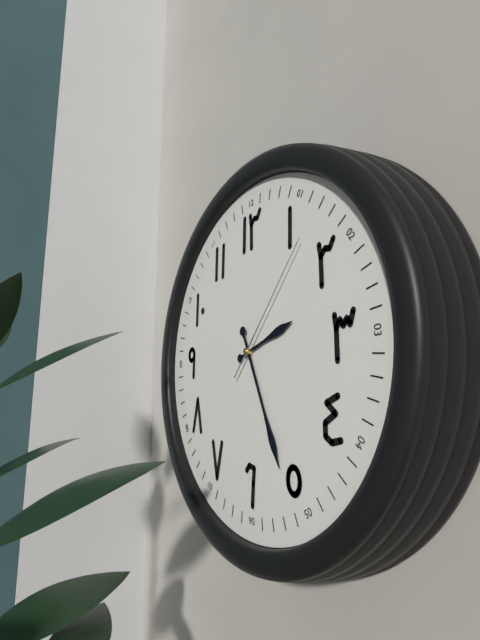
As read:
{"hour": 2, "minute": 26, "second": 7}
